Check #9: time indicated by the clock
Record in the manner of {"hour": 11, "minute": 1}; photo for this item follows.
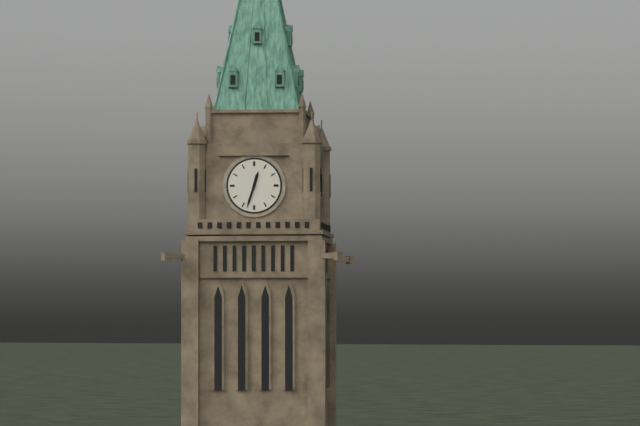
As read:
{"hour": 12, "minute": 33}
